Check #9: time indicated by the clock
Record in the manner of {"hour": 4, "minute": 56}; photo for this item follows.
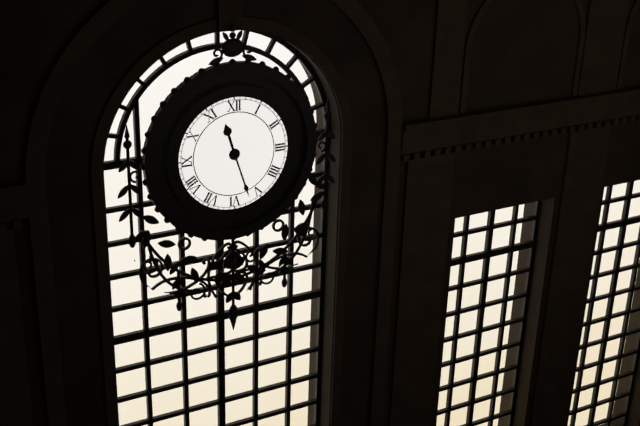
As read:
{"hour": 11, "minute": 27}
